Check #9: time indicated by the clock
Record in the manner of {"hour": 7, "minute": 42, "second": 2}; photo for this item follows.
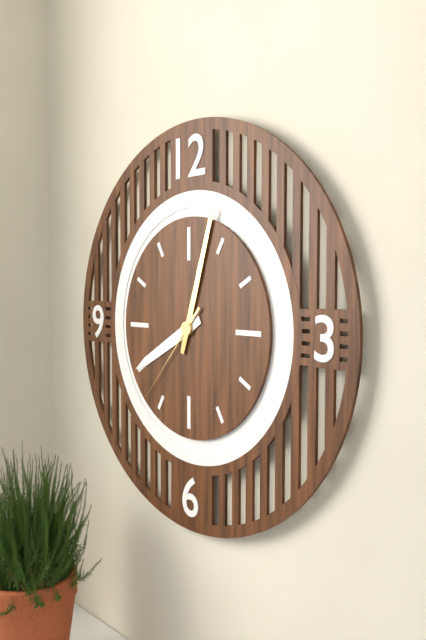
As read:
{"hour": 8, "minute": 3, "second": 37}
